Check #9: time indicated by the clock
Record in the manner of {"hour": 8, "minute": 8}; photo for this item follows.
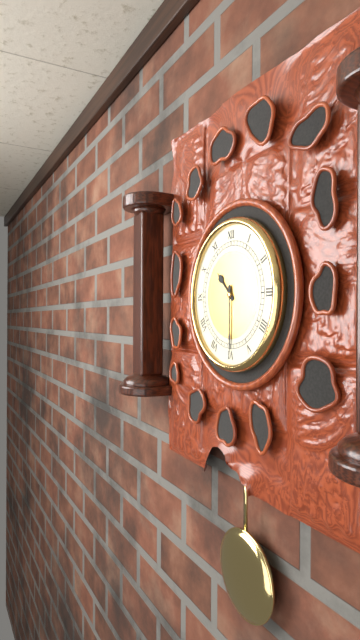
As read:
{"hour": 10, "minute": 30}
